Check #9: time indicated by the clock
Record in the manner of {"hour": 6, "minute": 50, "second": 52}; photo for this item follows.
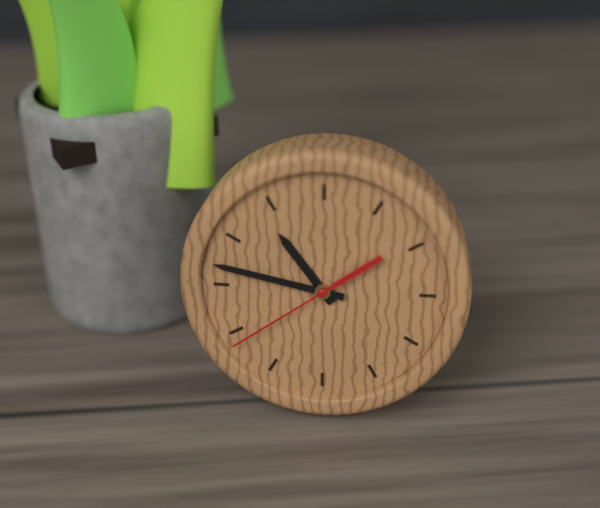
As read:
{"hour": 10, "minute": 47, "second": 39}
